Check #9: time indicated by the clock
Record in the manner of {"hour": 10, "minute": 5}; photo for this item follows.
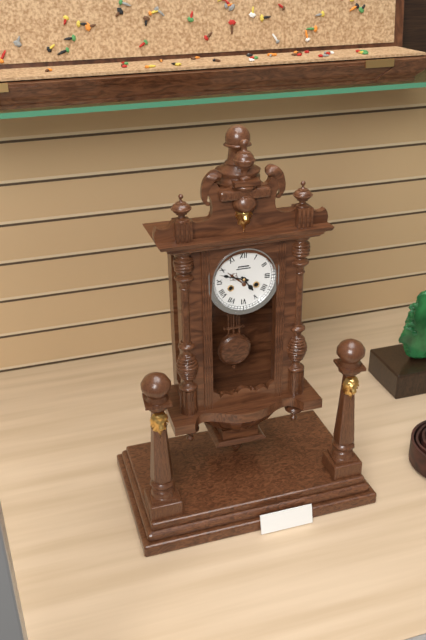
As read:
{"hour": 4, "minute": 48}
